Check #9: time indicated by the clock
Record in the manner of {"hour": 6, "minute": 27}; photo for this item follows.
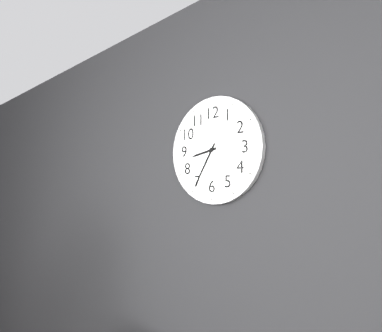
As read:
{"hour": 8, "minute": 35}
